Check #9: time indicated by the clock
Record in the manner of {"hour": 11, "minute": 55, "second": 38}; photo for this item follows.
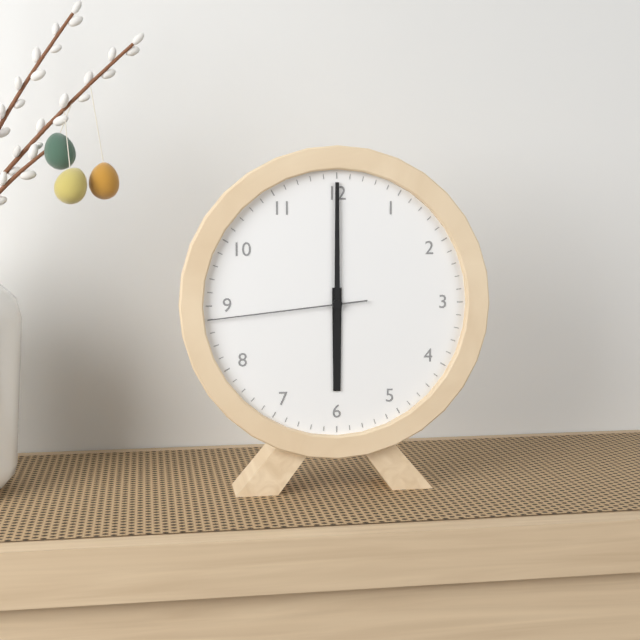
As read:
{"hour": 6, "minute": 0, "second": 44}
